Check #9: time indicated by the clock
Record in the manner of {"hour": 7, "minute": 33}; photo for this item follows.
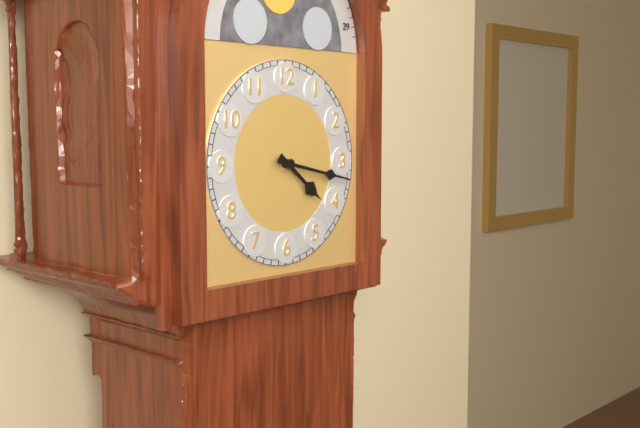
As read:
{"hour": 4, "minute": 17}
